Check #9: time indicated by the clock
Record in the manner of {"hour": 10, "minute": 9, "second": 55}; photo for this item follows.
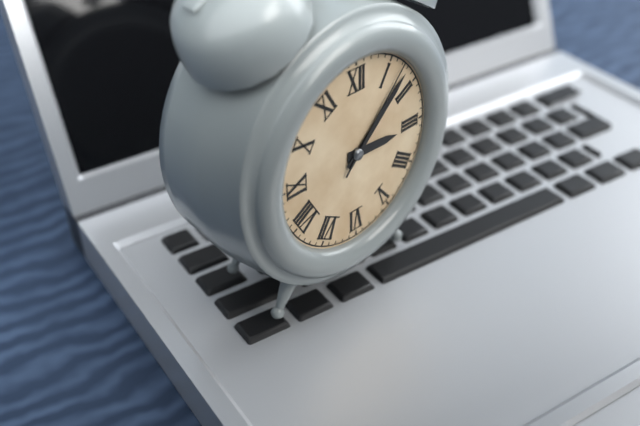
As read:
{"hour": 3, "minute": 8, "second": 7}
